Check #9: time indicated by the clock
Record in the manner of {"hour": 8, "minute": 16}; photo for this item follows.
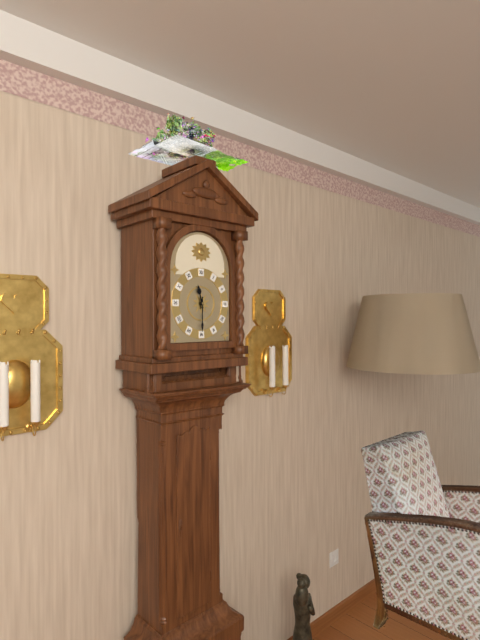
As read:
{"hour": 11, "minute": 30}
